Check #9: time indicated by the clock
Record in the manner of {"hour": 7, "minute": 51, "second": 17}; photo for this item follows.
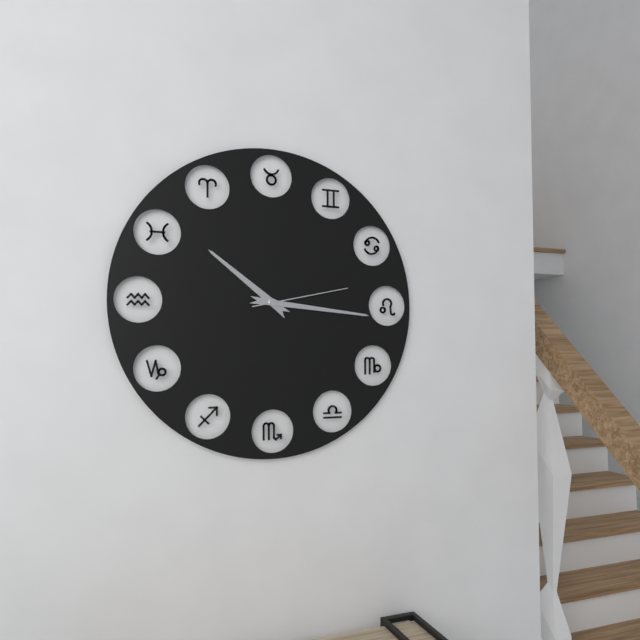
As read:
{"hour": 10, "minute": 16, "second": 13}
